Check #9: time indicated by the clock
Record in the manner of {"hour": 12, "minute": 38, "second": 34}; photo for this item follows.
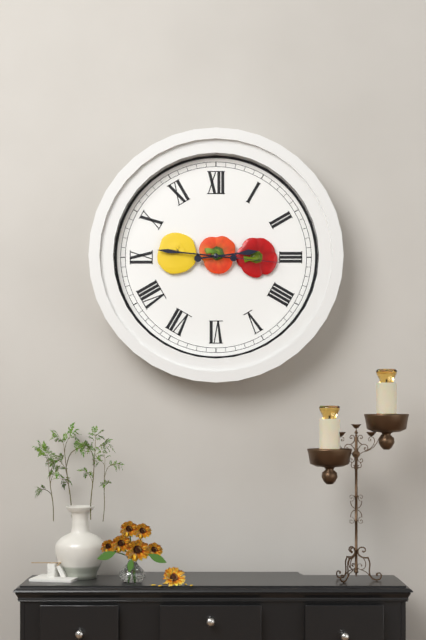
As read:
{"hour": 2, "minute": 46, "second": 16}
